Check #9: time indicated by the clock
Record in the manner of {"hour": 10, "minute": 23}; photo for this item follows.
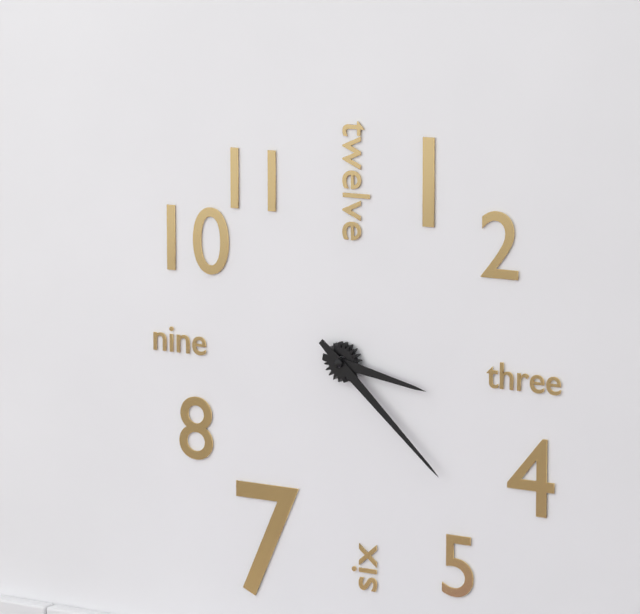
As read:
{"hour": 3, "minute": 22}
